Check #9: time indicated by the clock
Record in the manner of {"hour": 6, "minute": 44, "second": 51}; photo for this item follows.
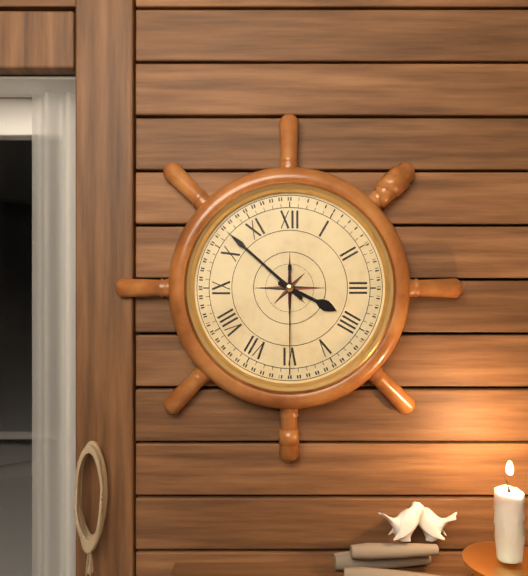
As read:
{"hour": 3, "minute": 52, "second": 30}
